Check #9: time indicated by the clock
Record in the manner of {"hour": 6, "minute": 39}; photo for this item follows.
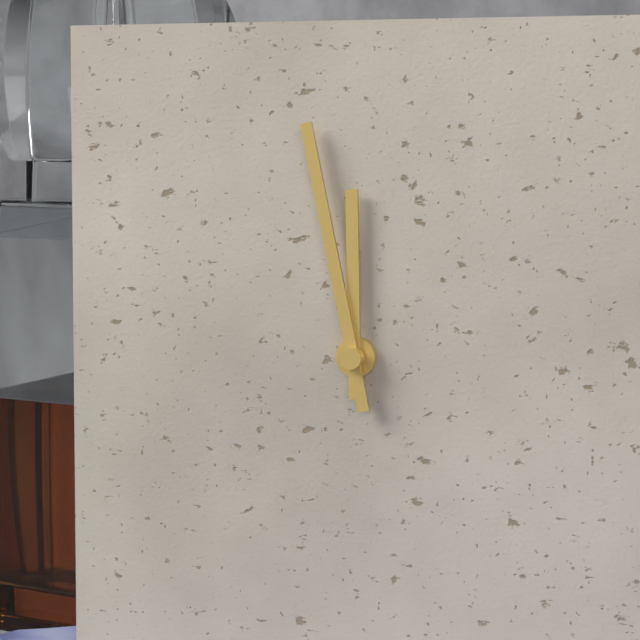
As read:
{"hour": 11, "minute": 58}
